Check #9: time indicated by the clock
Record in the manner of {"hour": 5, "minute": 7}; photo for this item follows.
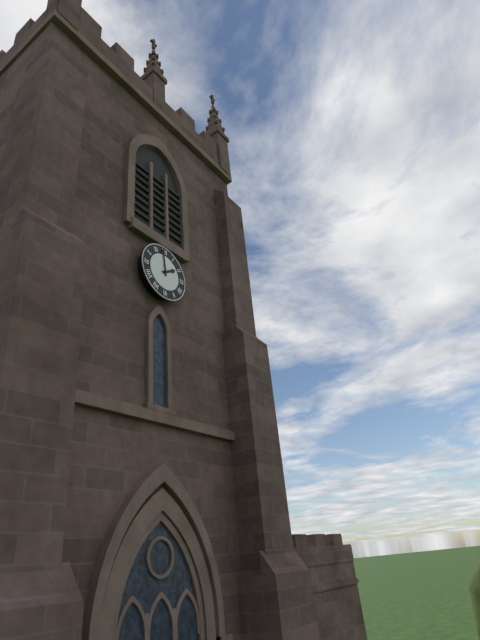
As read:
{"hour": 1, "minute": 59}
